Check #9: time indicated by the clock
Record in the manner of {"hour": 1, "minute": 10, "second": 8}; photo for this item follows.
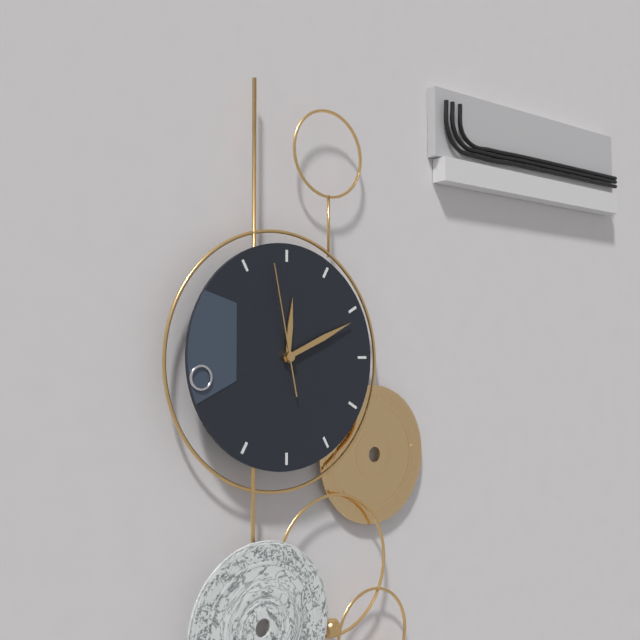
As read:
{"hour": 12, "minute": 11, "second": 58}
